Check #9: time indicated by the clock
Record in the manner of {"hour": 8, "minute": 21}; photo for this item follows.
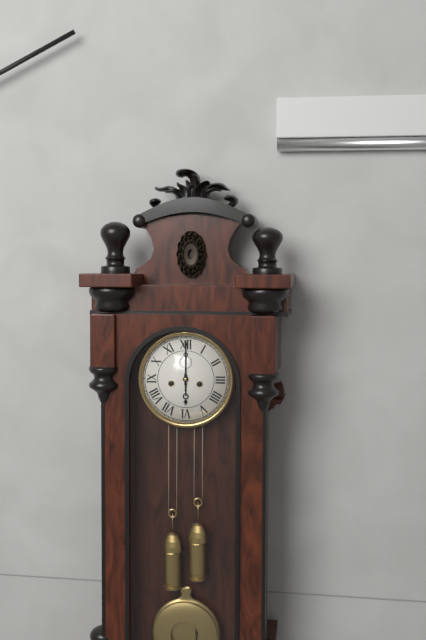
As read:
{"hour": 6, "minute": 0}
